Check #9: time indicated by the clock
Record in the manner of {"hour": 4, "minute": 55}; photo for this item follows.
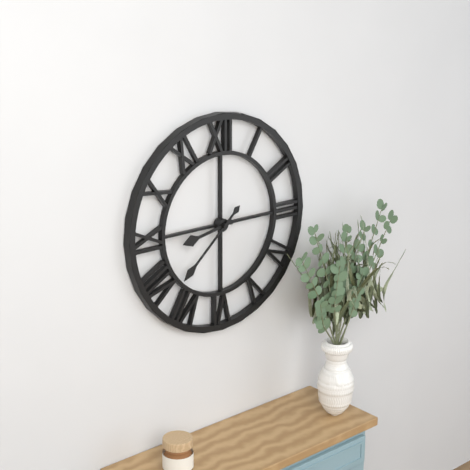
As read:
{"hour": 8, "minute": 38}
